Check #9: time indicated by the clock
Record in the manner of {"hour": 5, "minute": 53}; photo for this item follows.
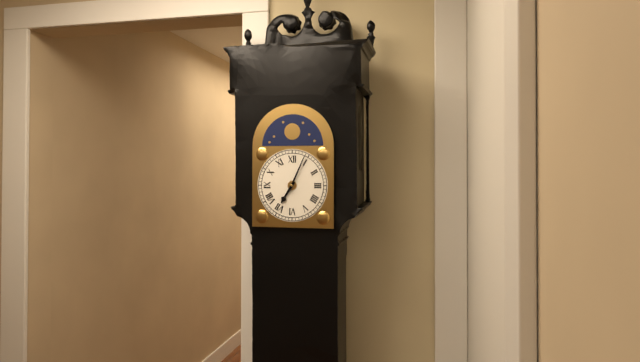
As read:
{"hour": 7, "minute": 4}
